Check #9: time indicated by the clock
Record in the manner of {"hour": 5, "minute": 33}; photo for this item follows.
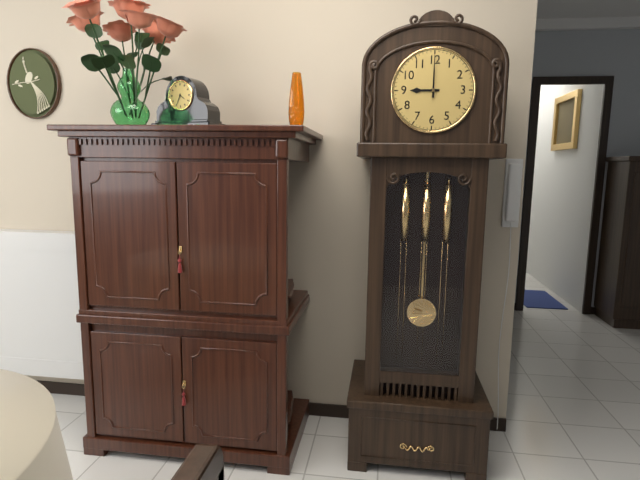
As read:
{"hour": 9, "minute": 0}
